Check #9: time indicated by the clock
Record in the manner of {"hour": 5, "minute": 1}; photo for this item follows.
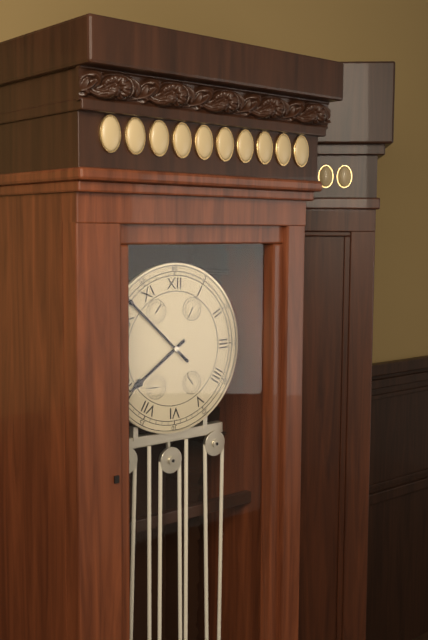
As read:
{"hour": 7, "minute": 52}
